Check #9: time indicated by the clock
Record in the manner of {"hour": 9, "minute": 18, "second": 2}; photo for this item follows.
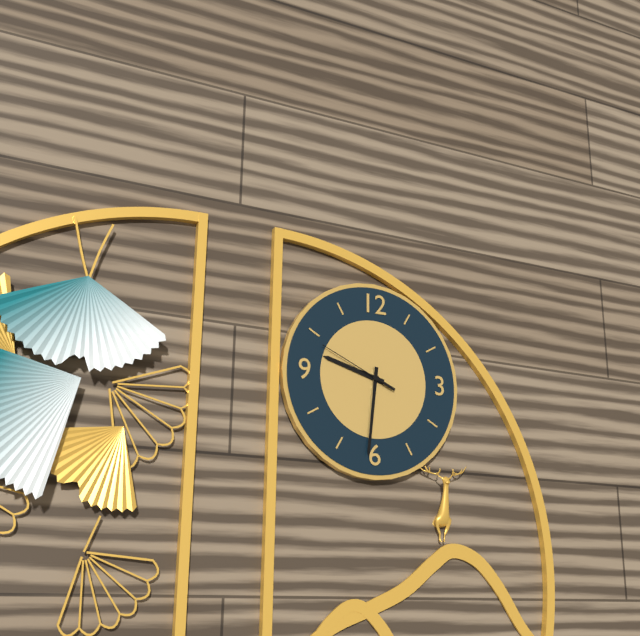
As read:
{"hour": 9, "minute": 31, "second": 49}
